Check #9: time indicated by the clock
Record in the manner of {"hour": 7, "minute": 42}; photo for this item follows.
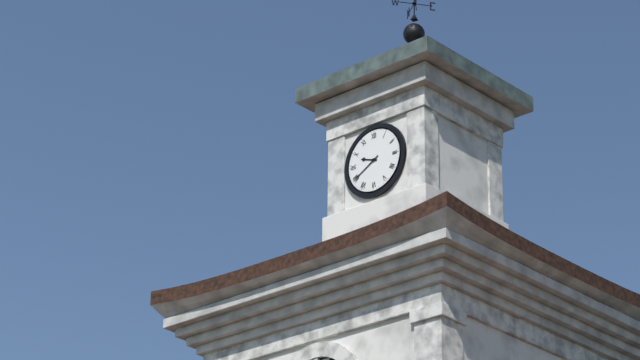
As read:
{"hour": 9, "minute": 40}
